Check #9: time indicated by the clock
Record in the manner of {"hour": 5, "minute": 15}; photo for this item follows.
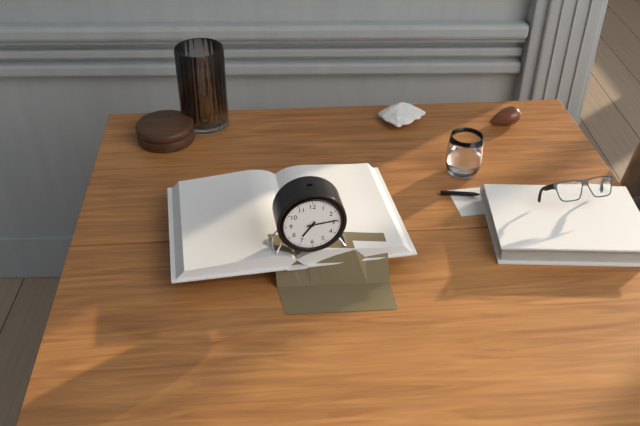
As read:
{"hour": 7, "minute": 14}
